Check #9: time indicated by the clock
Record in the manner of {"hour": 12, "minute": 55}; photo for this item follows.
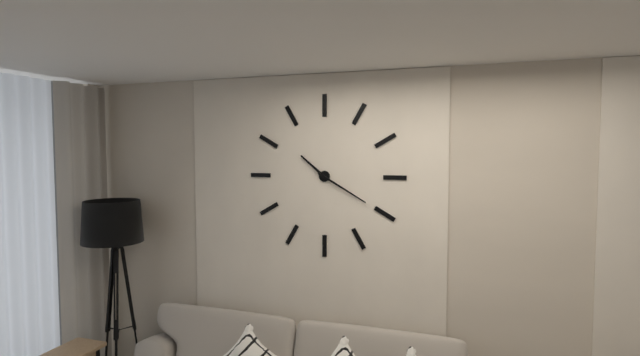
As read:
{"hour": 10, "minute": 20}
